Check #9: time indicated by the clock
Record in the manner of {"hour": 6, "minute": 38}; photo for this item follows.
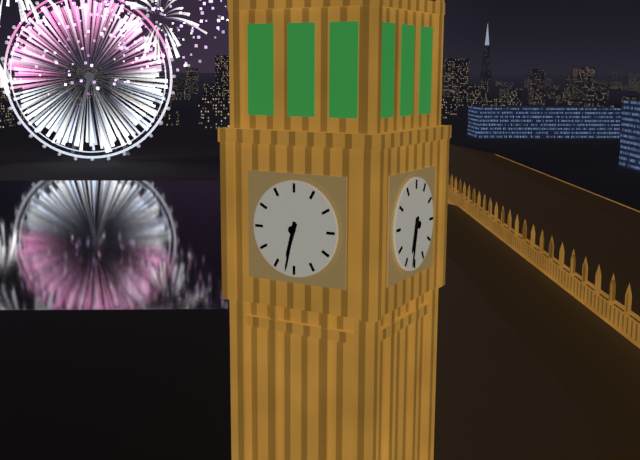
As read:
{"hour": 6, "minute": 32}
